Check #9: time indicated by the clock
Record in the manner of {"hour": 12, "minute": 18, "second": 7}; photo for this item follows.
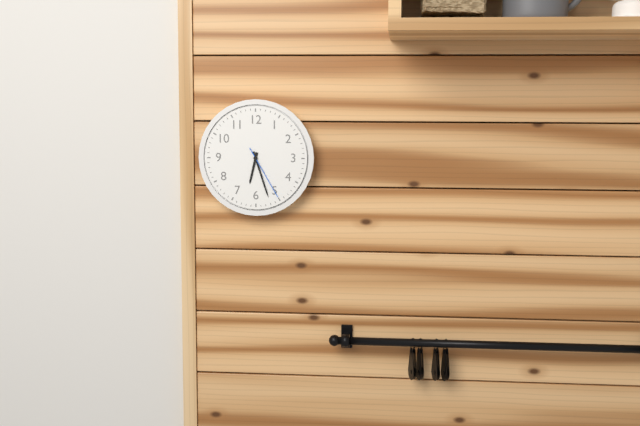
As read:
{"hour": 6, "minute": 27, "second": 25}
